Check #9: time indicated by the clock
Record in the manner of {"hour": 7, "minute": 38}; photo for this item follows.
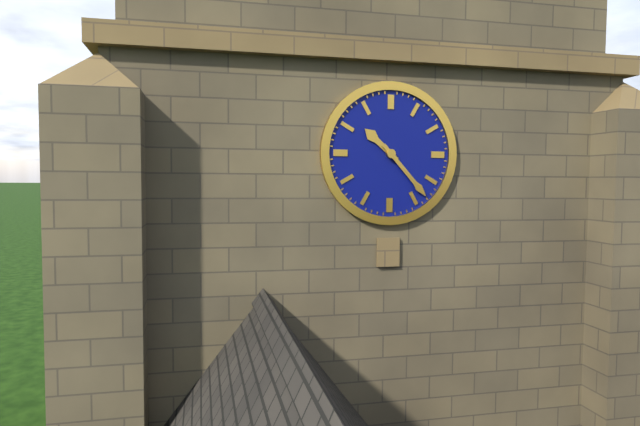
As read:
{"hour": 10, "minute": 23}
